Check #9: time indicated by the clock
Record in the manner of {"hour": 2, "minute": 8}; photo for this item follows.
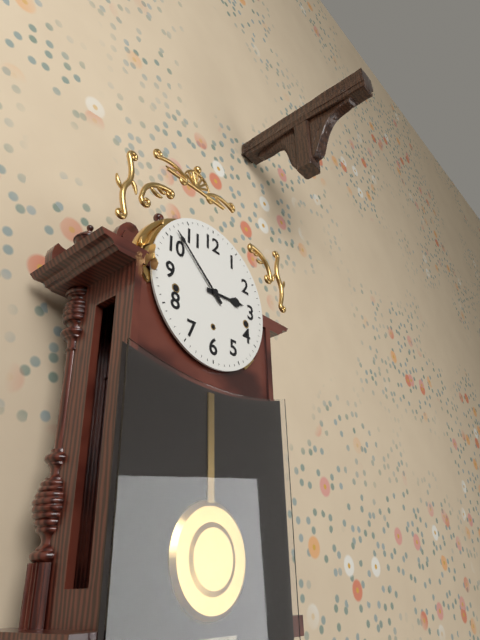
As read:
{"hour": 2, "minute": 52}
